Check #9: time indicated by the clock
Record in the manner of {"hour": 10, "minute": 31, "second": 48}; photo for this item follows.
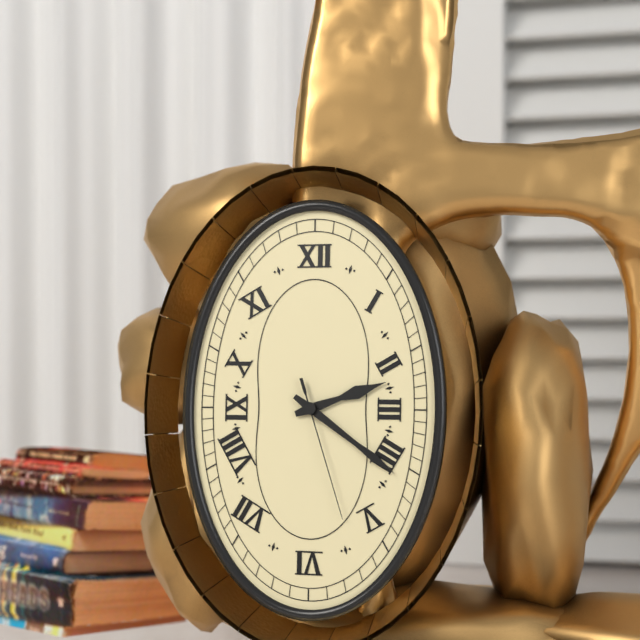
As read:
{"hour": 2, "minute": 21, "second": 27}
